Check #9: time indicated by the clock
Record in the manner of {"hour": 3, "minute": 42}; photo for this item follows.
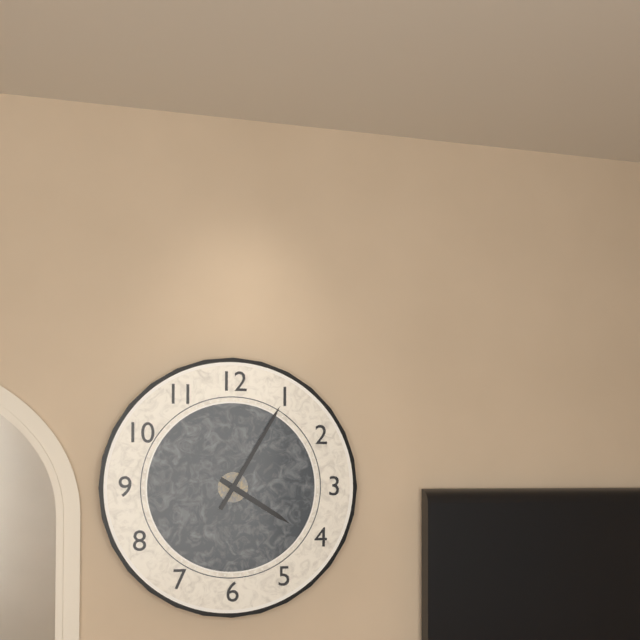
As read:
{"hour": 4, "minute": 5}
